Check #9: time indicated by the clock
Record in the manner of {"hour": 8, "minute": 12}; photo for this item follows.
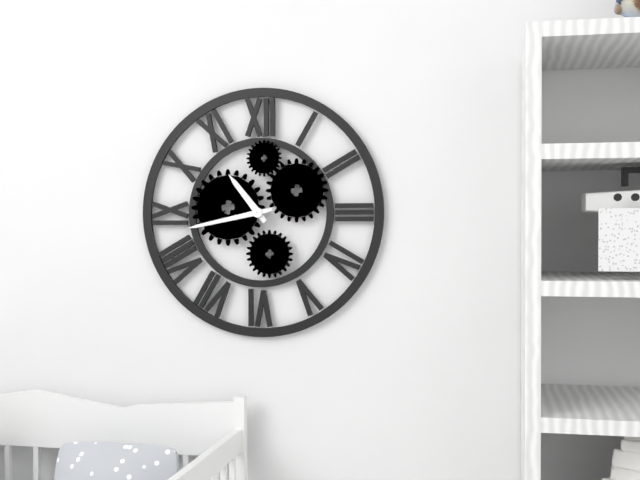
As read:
{"hour": 10, "minute": 43}
